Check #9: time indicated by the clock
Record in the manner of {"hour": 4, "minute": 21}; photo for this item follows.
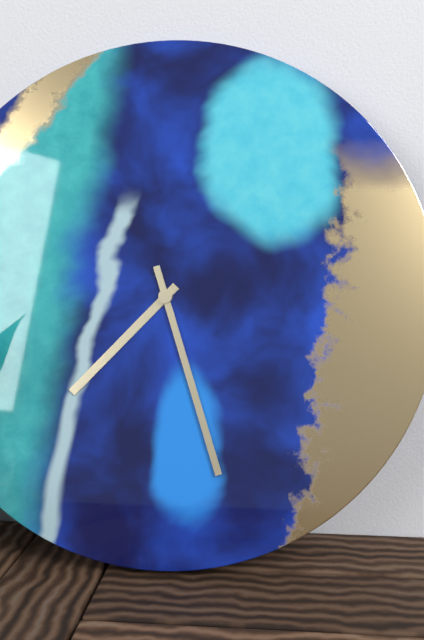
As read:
{"hour": 7, "minute": 27}
